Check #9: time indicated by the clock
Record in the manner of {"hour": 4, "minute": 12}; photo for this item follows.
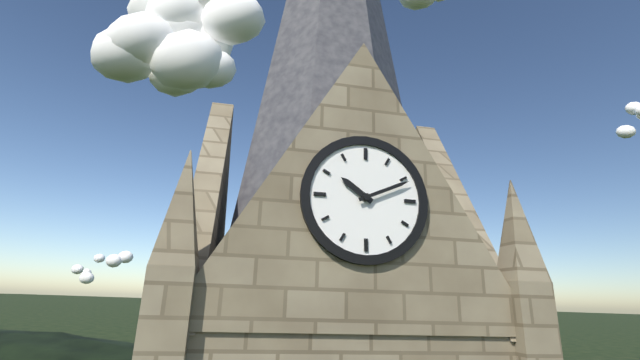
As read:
{"hour": 10, "minute": 11}
